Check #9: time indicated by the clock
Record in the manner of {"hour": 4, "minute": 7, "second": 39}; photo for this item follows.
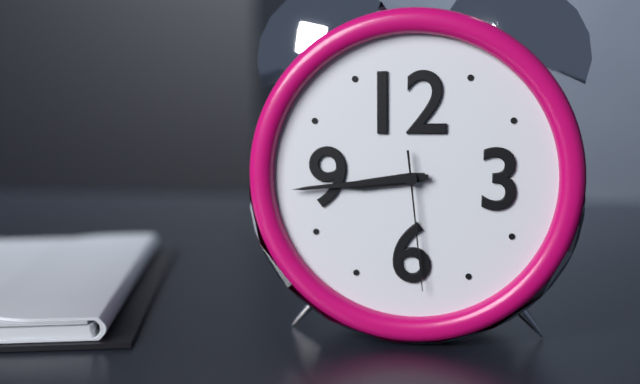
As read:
{"hour": 8, "minute": 44, "second": 29}
